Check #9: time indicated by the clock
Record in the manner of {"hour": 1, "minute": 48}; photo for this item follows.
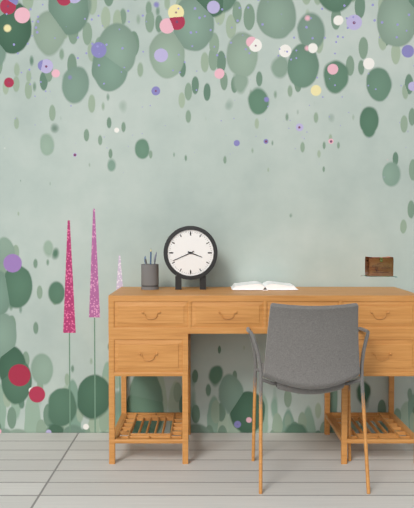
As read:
{"hour": 3, "minute": 41}
